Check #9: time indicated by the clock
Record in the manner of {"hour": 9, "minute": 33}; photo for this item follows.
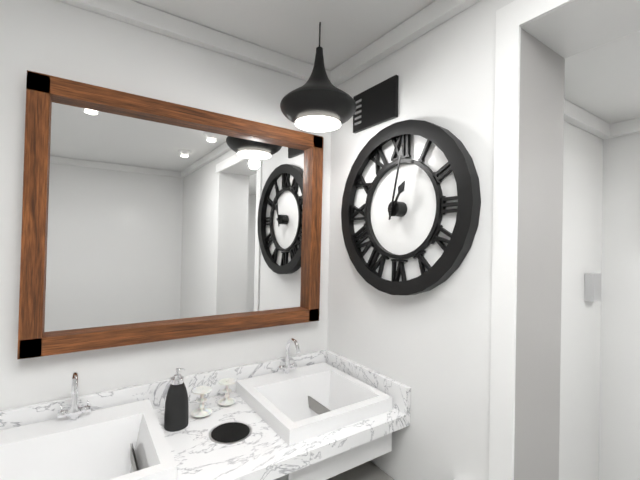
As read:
{"hour": 1, "minute": 2}
